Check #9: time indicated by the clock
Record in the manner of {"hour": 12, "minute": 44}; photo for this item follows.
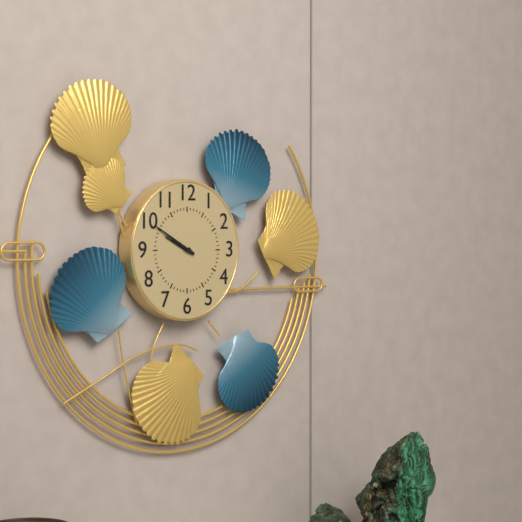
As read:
{"hour": 9, "minute": 50}
